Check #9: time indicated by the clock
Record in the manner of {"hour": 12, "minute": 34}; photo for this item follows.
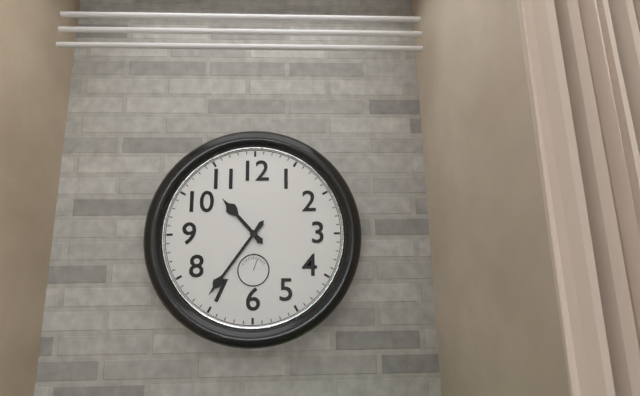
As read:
{"hour": 10, "minute": 36}
